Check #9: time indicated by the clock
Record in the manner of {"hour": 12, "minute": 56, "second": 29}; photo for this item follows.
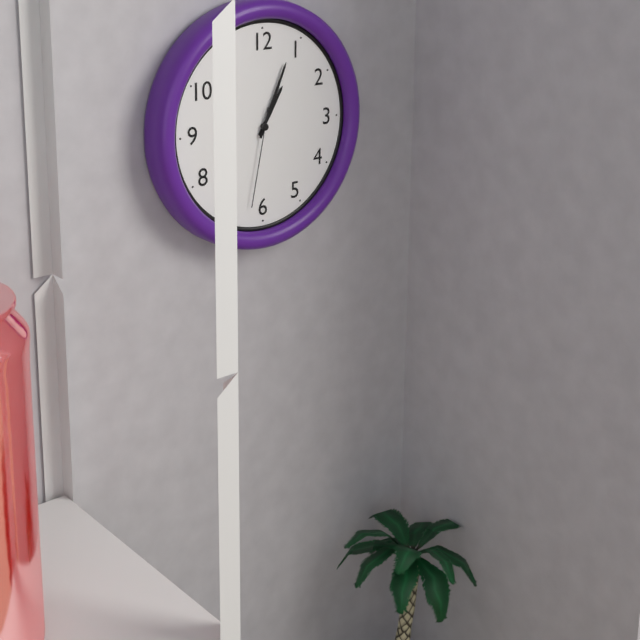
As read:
{"hour": 1, "minute": 4, "second": 32}
